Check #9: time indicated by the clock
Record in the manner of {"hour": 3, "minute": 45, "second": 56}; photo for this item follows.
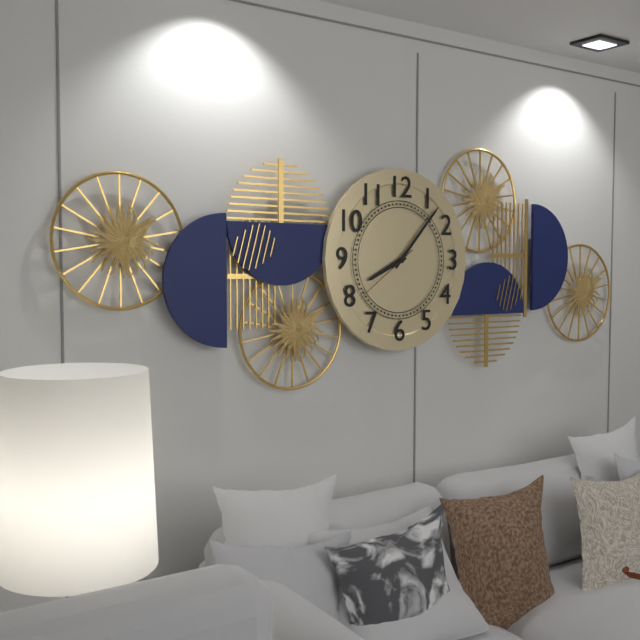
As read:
{"hour": 8, "minute": 7, "second": 39}
